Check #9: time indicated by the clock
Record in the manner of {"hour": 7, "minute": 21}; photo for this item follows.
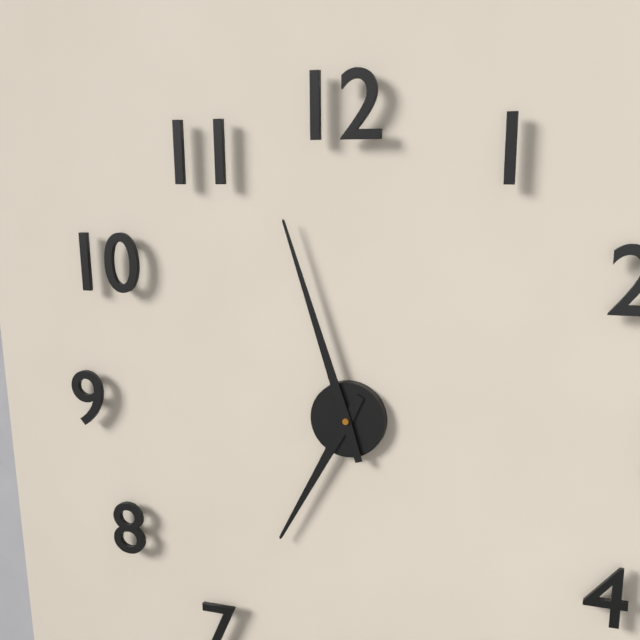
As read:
{"hour": 6, "minute": 57}
